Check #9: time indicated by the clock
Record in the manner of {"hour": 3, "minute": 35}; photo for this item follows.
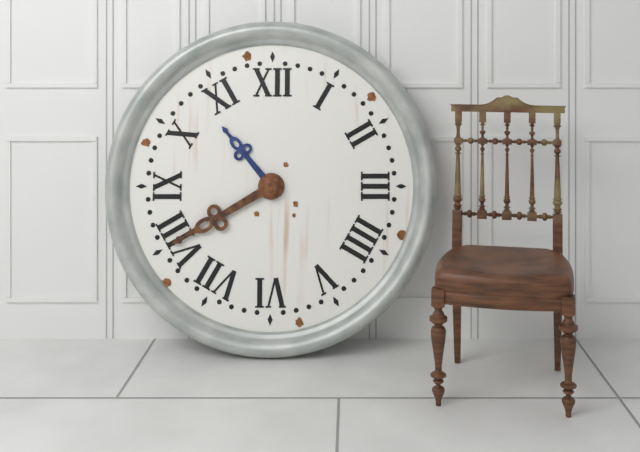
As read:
{"hour": 10, "minute": 40}
